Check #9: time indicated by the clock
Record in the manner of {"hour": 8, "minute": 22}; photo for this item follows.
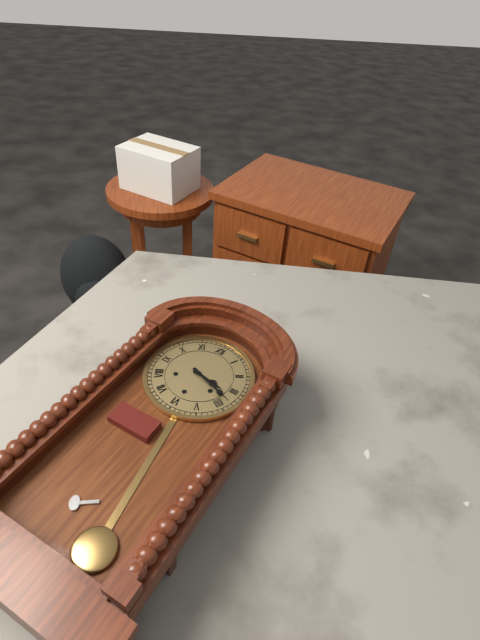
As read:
{"hour": 3, "minute": 18}
